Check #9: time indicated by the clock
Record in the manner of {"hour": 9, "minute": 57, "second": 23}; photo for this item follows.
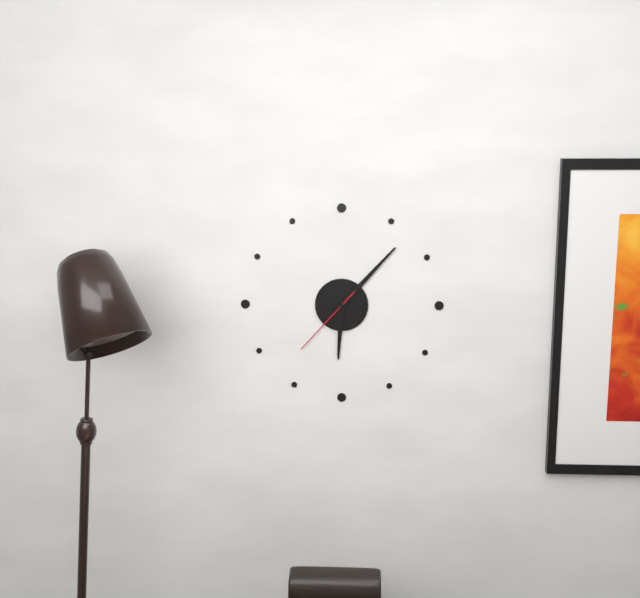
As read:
{"hour": 6, "minute": 7, "second": 37}
